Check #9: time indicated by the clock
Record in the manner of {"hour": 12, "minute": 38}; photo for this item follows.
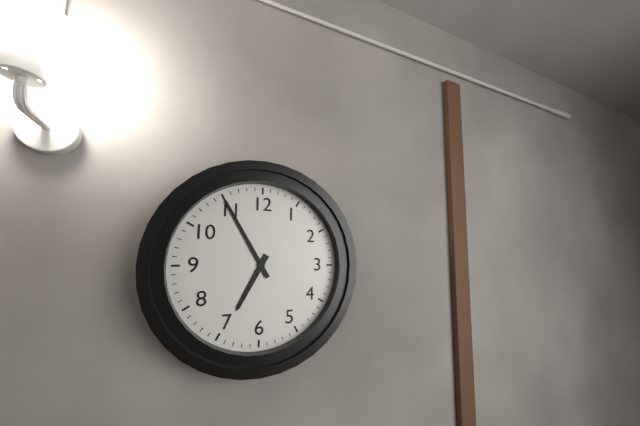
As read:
{"hour": 6, "minute": 55}
